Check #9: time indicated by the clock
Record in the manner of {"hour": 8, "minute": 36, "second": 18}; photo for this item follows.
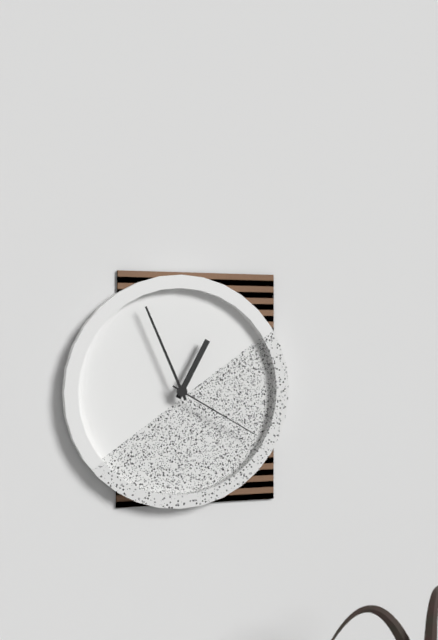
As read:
{"hour": 12, "minute": 56, "second": 20}
